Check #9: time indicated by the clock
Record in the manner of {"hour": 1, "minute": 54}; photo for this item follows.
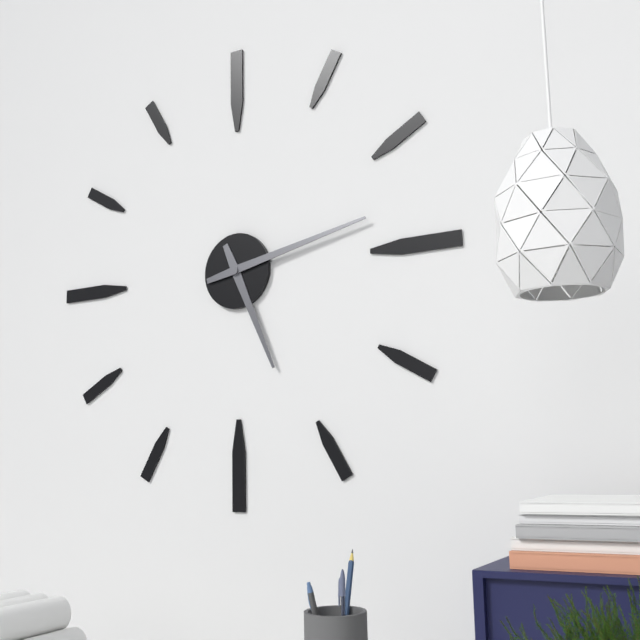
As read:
{"hour": 5, "minute": 13}
